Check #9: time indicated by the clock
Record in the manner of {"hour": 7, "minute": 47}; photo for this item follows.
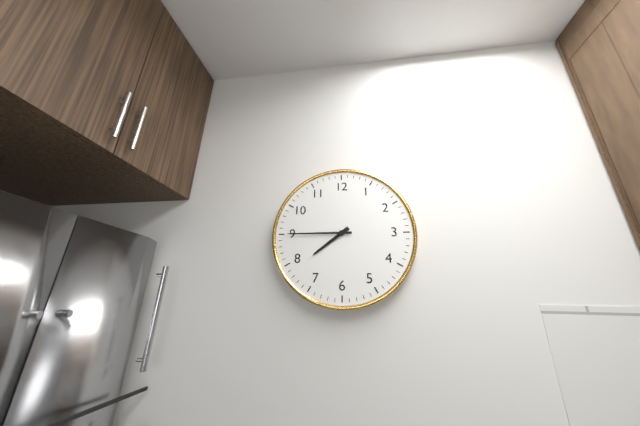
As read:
{"hour": 7, "minute": 45}
